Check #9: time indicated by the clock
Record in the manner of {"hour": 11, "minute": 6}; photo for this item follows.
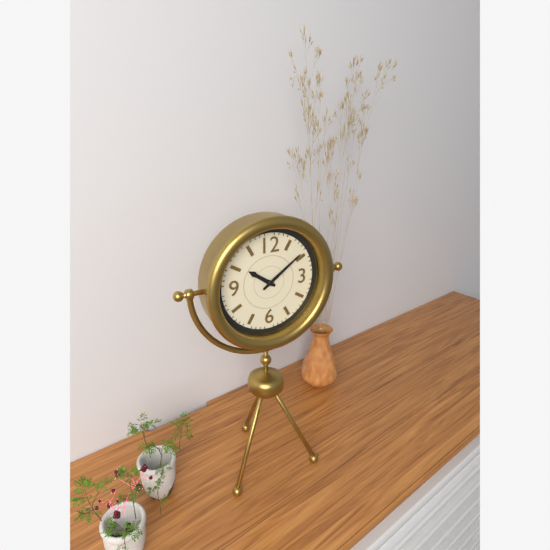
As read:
{"hour": 10, "minute": 9}
